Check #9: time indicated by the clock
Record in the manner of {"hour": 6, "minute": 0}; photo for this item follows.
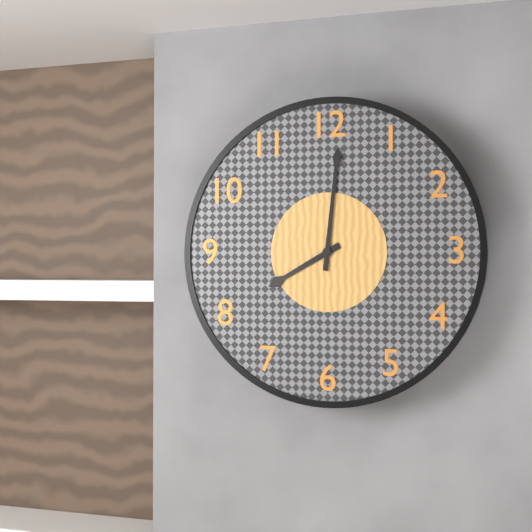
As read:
{"hour": 8, "minute": 1}
